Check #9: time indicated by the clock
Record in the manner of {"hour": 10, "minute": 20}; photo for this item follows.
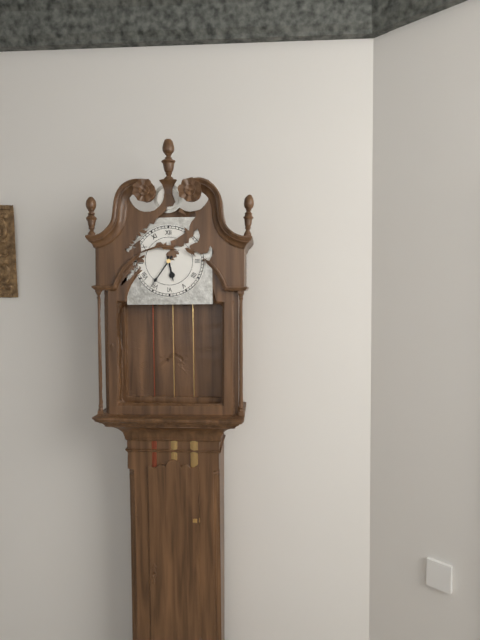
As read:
{"hour": 5, "minute": 36}
